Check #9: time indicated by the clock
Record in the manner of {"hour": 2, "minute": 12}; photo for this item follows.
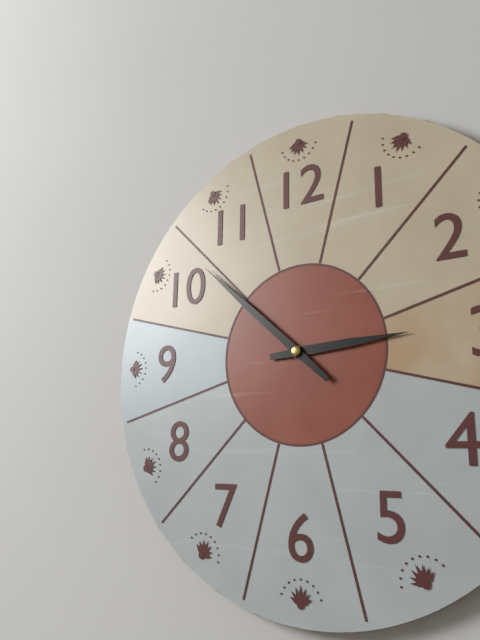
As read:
{"hour": 2, "minute": 52}
